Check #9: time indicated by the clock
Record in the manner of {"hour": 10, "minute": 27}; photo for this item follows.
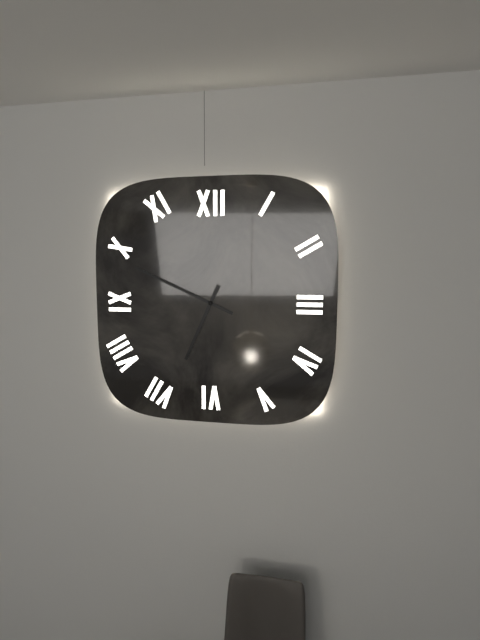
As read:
{"hour": 6, "minute": 49}
